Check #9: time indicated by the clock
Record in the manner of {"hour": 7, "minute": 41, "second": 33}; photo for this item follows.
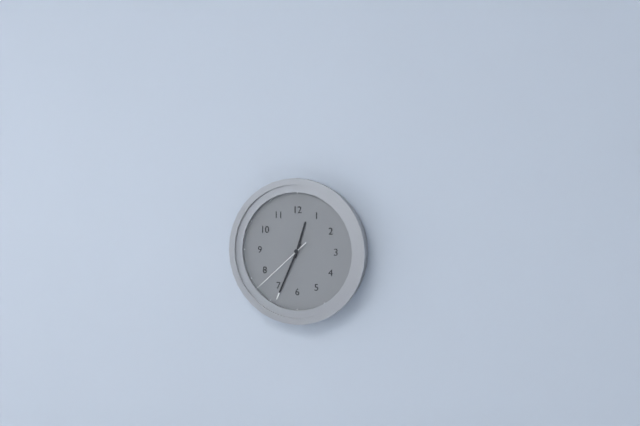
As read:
{"hour": 12, "minute": 34, "second": 38}
